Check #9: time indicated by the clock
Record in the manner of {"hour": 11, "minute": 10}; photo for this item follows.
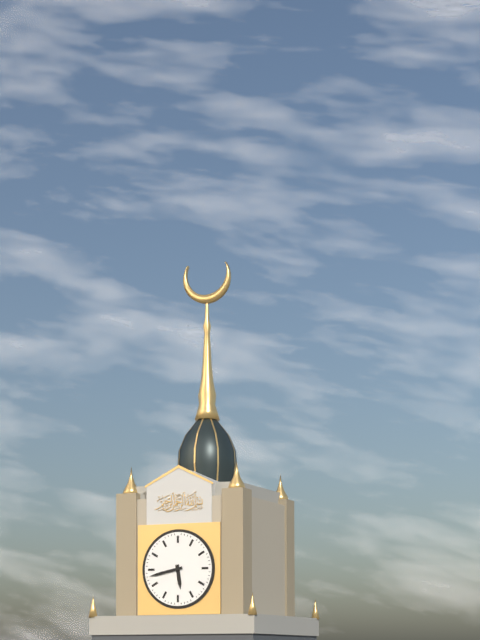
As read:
{"hour": 5, "minute": 43}
